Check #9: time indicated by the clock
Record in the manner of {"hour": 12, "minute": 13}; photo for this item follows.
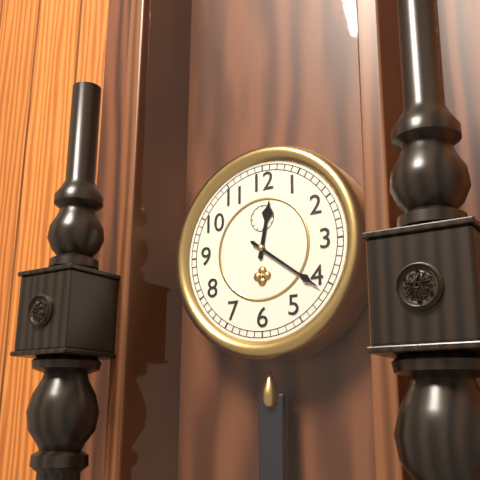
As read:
{"hour": 12, "minute": 21}
